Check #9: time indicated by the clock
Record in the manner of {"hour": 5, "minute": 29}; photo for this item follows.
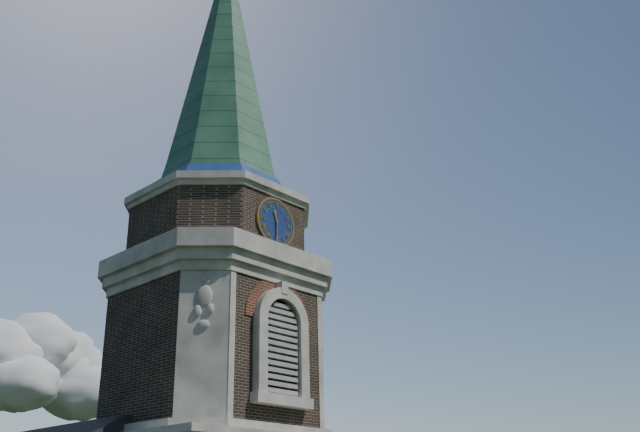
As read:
{"hour": 11, "minute": 30}
